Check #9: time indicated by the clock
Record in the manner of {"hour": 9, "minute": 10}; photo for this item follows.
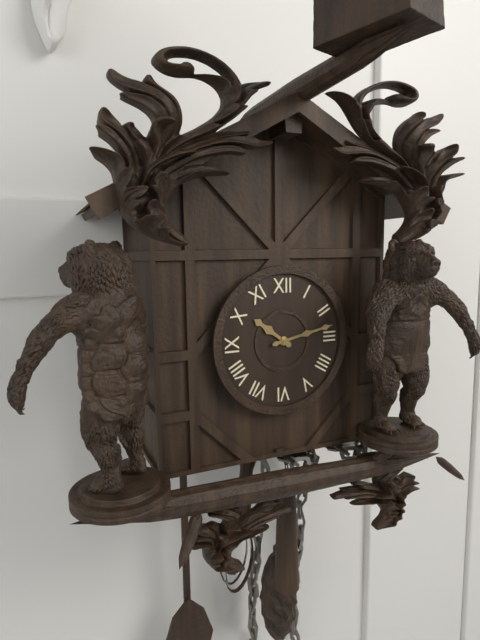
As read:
{"hour": 10, "minute": 13}
